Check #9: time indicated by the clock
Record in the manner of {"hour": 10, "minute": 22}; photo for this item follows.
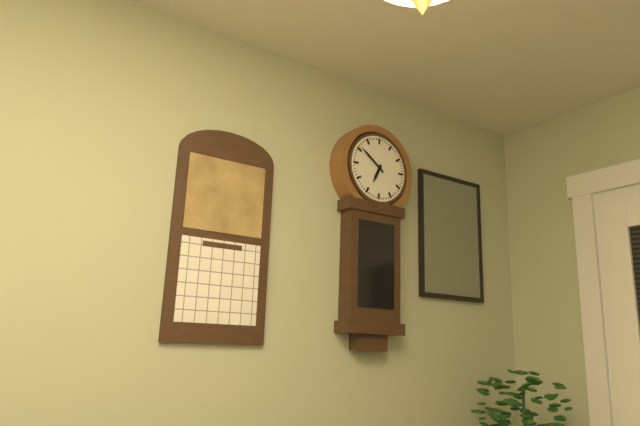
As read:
{"hour": 6, "minute": 51}
